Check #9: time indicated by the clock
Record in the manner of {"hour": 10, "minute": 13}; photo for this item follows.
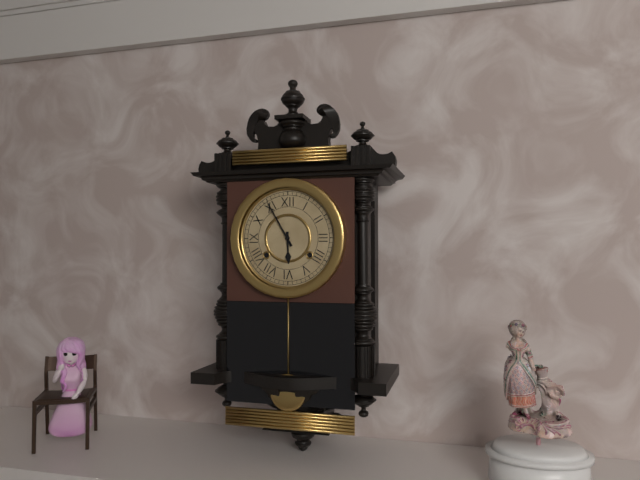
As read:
{"hour": 5, "minute": 55}
